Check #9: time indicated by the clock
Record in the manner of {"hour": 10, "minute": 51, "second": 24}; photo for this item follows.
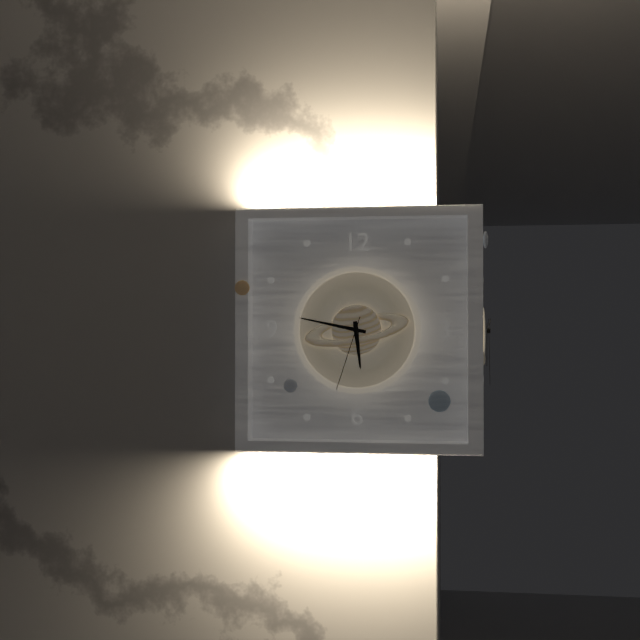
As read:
{"hour": 5, "minute": 47, "second": 33}
